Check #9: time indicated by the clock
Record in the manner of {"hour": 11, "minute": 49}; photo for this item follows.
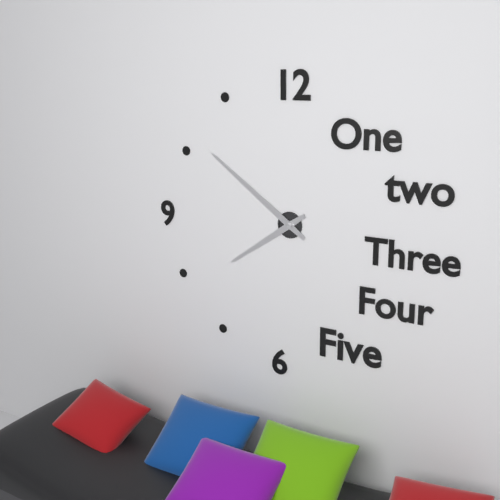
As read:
{"hour": 7, "minute": 51}
